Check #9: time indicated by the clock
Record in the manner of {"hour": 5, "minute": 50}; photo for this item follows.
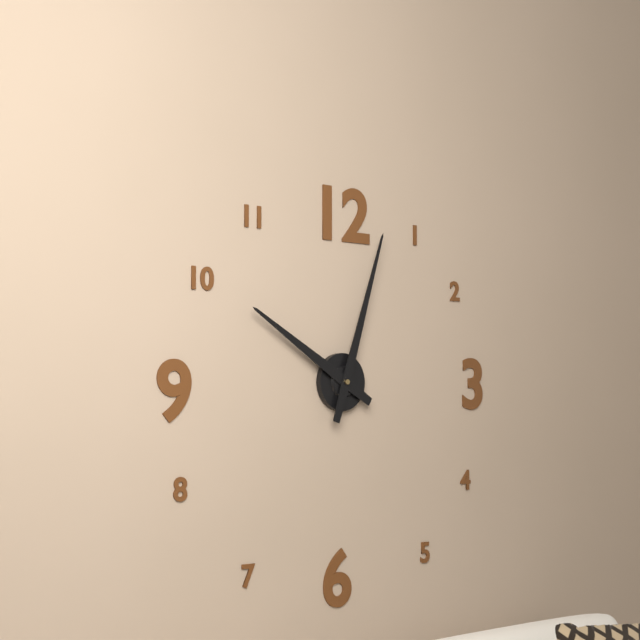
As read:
{"hour": 10, "minute": 3}
